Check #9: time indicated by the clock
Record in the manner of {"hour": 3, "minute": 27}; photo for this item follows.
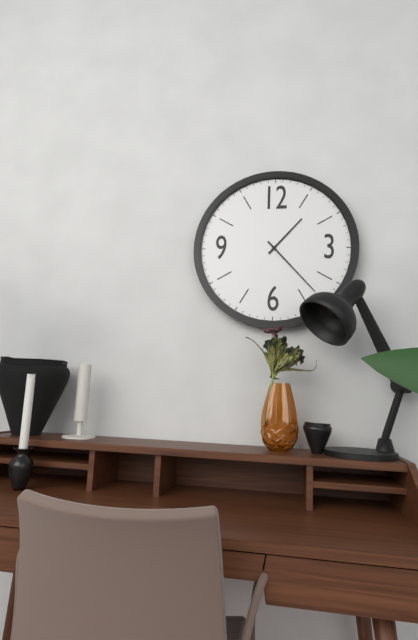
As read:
{"hour": 1, "minute": 23}
